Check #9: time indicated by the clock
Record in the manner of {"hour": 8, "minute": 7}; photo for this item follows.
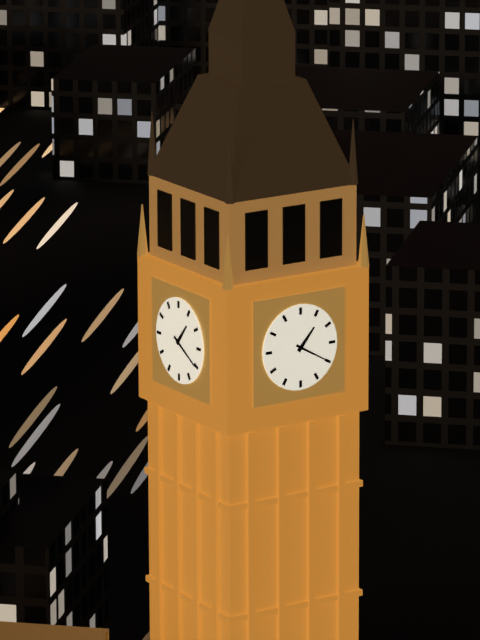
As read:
{"hour": 1, "minute": 20}
